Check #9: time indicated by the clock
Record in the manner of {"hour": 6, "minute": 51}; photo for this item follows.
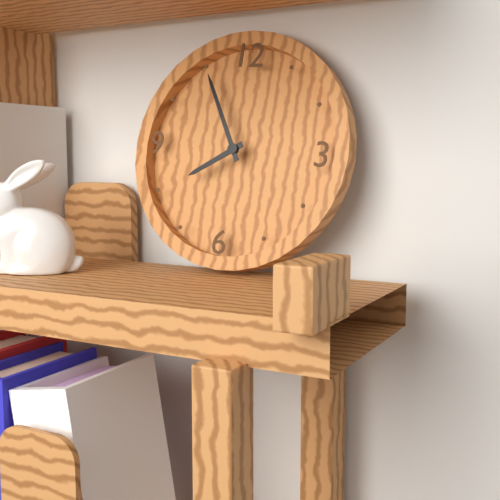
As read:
{"hour": 7, "minute": 55}
